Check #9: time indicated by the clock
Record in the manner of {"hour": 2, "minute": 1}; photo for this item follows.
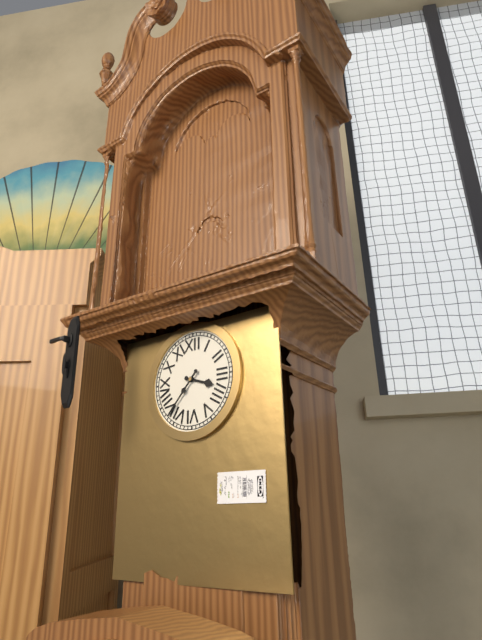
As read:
{"hour": 3, "minute": 37}
